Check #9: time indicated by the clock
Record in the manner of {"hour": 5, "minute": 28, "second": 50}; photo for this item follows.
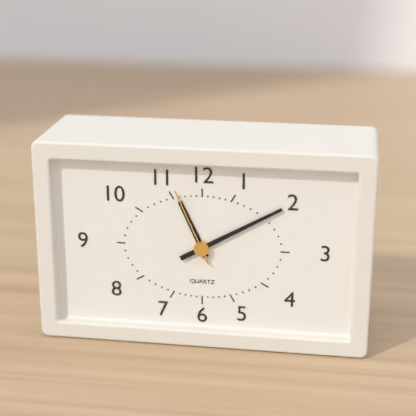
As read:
{"hour": 11, "minute": 10, "second": 56}
